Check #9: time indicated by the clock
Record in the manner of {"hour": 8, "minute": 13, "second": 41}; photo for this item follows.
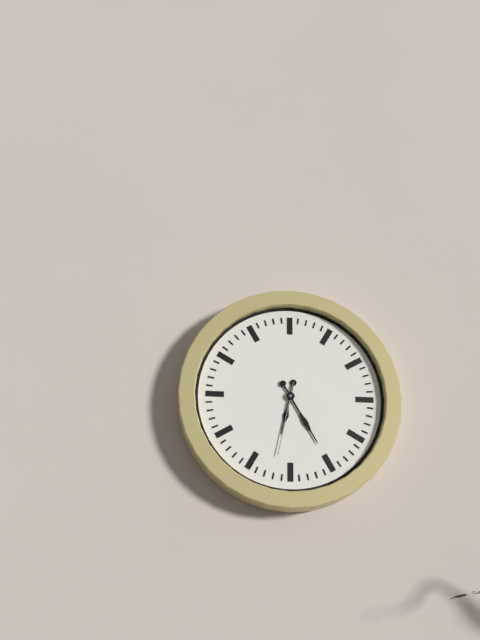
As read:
{"hour": 6, "minute": 25, "second": 32}
